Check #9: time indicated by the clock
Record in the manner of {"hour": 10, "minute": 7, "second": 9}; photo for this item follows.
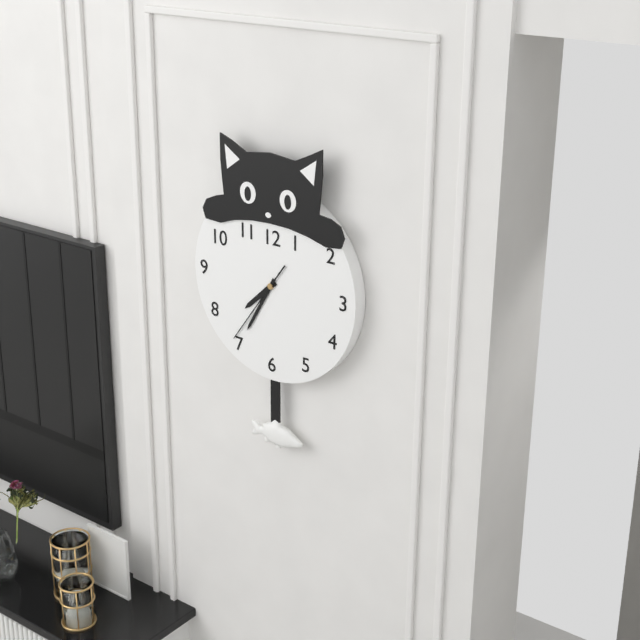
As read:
{"hour": 7, "minute": 35, "second": 36}
